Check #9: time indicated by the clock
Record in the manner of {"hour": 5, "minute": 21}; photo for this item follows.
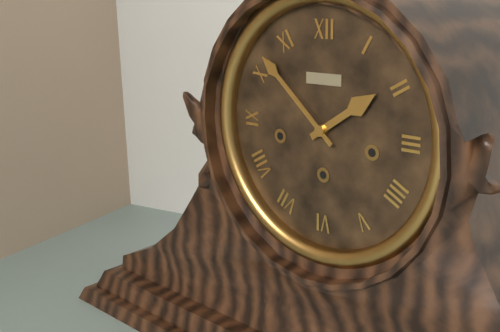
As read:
{"hour": 1, "minute": 52}
